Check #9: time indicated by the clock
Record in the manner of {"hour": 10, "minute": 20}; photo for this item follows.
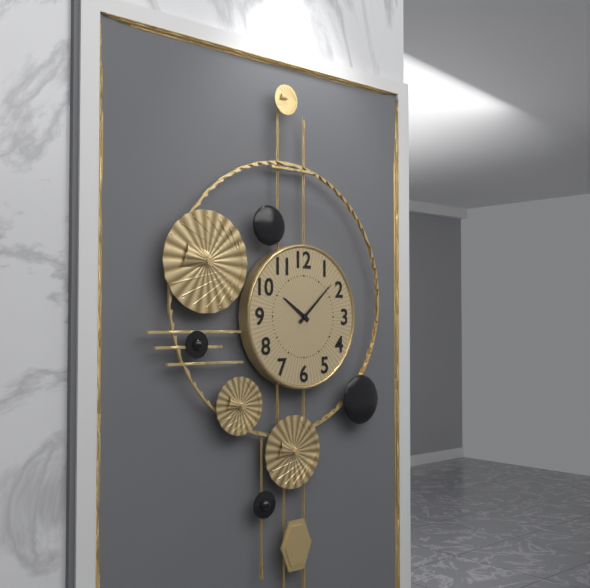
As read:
{"hour": 10, "minute": 8}
